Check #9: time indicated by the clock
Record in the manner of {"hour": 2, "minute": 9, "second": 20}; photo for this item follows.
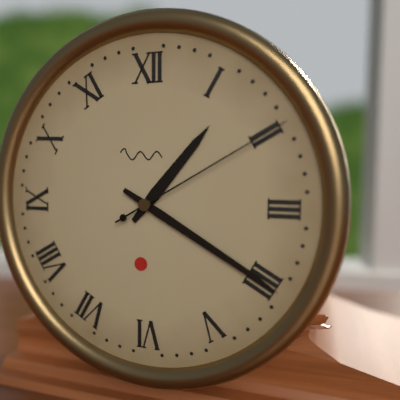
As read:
{"hour": 1, "minute": 20, "second": 10}
